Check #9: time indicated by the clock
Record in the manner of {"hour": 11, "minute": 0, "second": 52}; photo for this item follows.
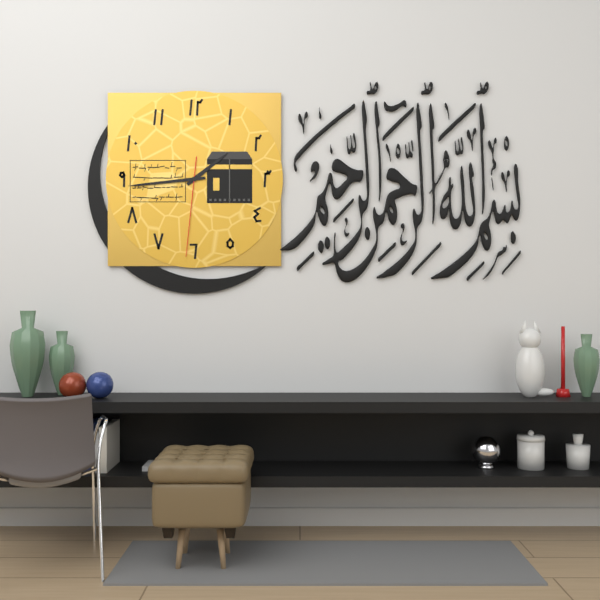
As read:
{"hour": 1, "minute": 44, "second": 31}
